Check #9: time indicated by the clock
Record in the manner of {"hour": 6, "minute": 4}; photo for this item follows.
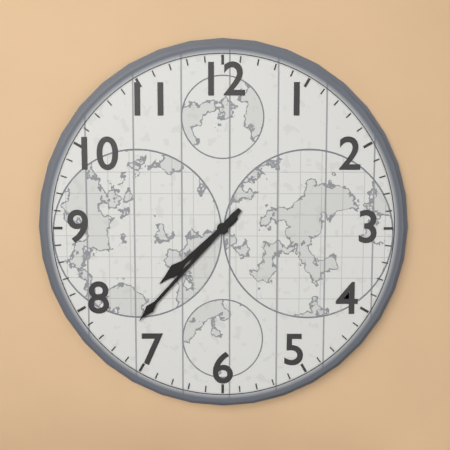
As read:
{"hour": 7, "minute": 37}
